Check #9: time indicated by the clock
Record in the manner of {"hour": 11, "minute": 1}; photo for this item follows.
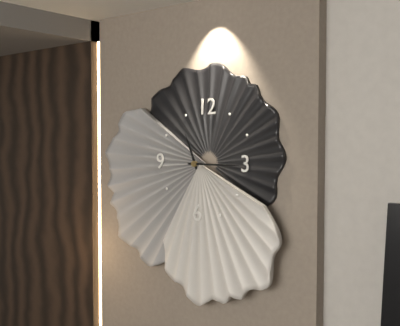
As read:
{"hour": 11, "minute": 15}
